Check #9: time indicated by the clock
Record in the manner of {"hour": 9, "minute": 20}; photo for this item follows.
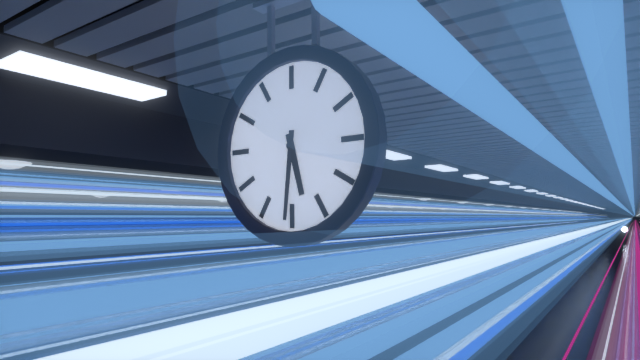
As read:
{"hour": 5, "minute": 31}
